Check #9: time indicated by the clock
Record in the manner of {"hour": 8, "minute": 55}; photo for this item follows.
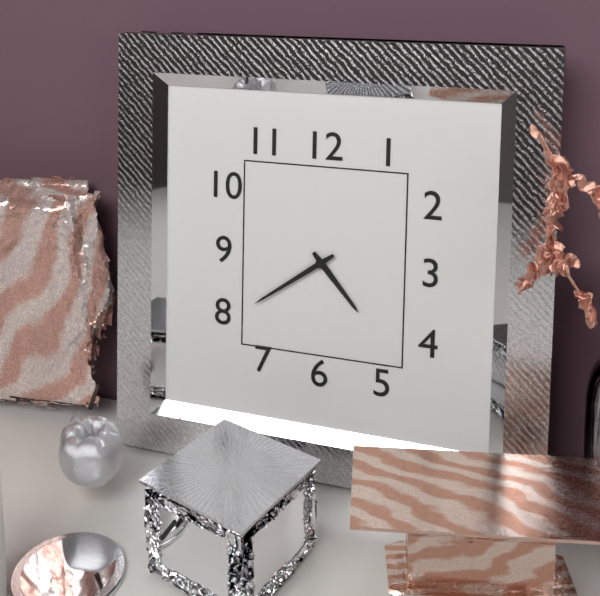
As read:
{"hour": 4, "minute": 39}
